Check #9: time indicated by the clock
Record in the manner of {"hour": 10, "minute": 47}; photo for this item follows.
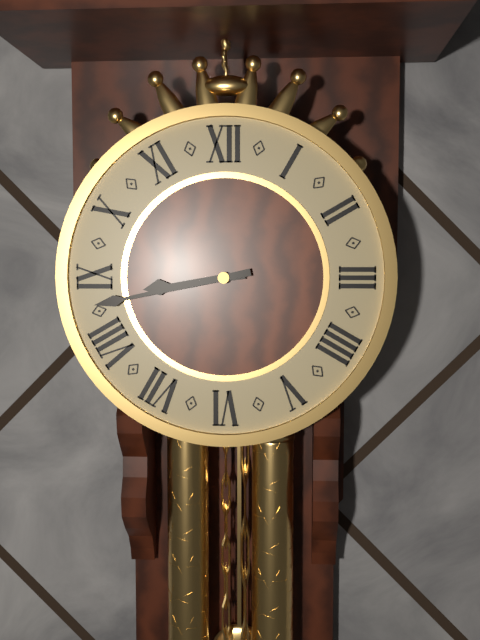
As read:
{"hour": 8, "minute": 43}
